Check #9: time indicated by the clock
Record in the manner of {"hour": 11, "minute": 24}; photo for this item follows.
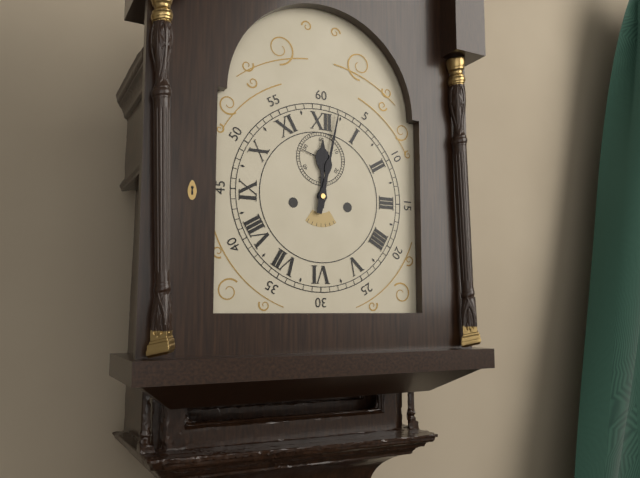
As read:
{"hour": 12, "minute": 2}
